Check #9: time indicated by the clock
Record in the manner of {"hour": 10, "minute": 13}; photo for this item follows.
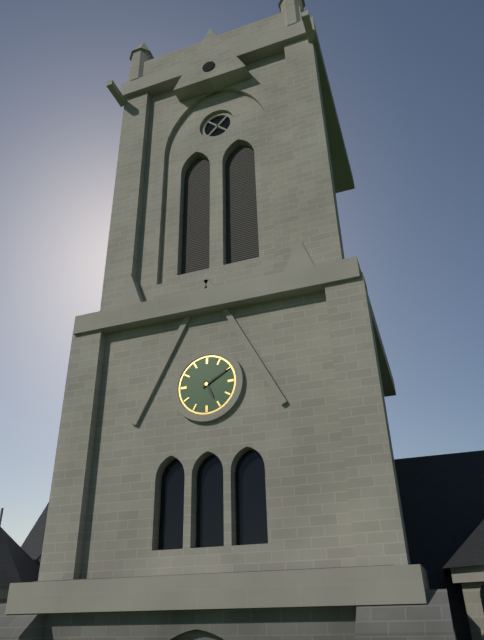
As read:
{"hour": 5, "minute": 10}
